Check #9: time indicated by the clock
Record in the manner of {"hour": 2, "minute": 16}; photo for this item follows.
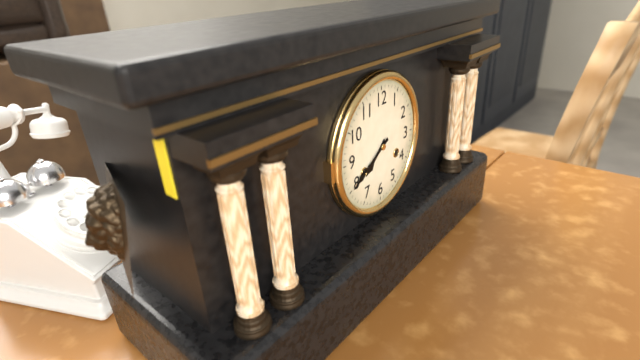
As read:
{"hour": 7, "minute": 40}
